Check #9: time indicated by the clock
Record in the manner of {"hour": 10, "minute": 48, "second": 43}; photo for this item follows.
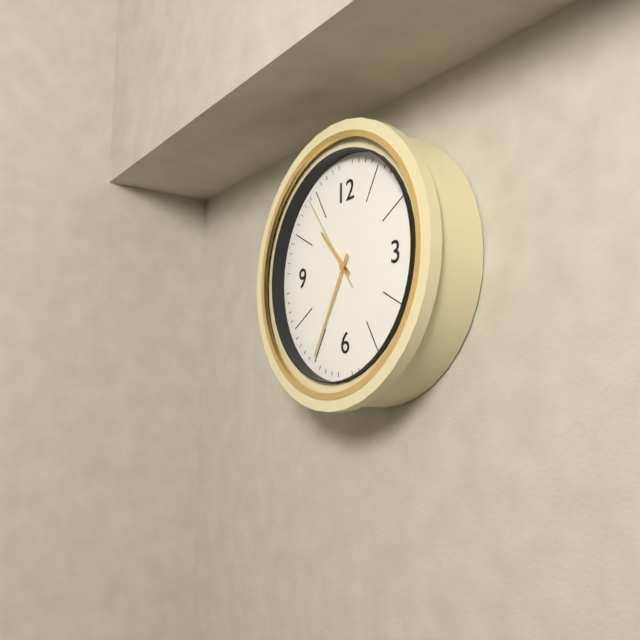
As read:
{"hour": 10, "minute": 35, "second": 54}
